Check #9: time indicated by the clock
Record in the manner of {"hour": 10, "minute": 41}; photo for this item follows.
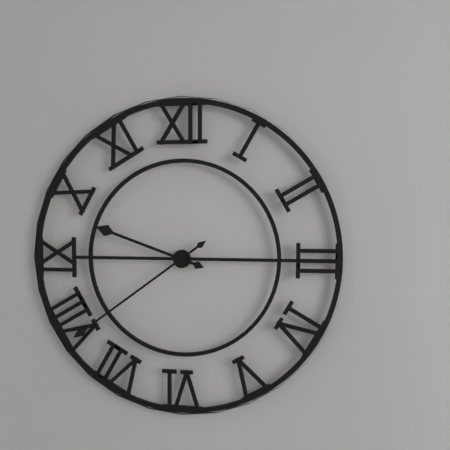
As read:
{"hour": 9, "minute": 39}
